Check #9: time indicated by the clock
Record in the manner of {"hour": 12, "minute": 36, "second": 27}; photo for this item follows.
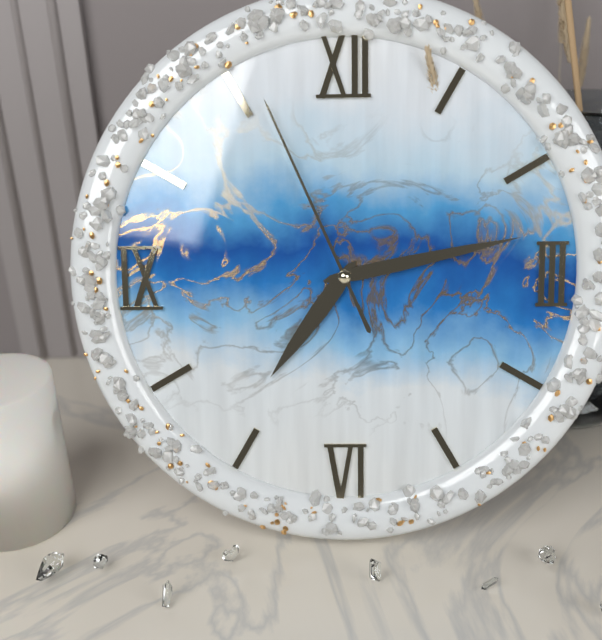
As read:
{"hour": 7, "minute": 13, "second": 56}
